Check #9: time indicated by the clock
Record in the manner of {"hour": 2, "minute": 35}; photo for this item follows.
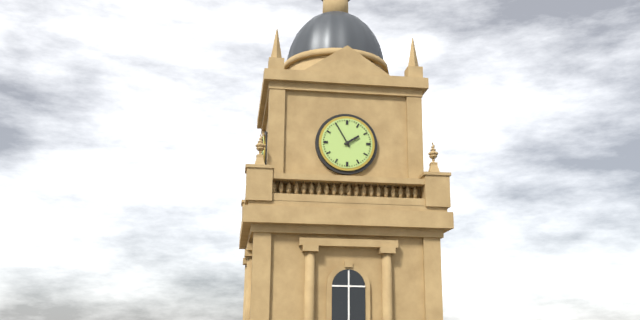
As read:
{"hour": 1, "minute": 55}
